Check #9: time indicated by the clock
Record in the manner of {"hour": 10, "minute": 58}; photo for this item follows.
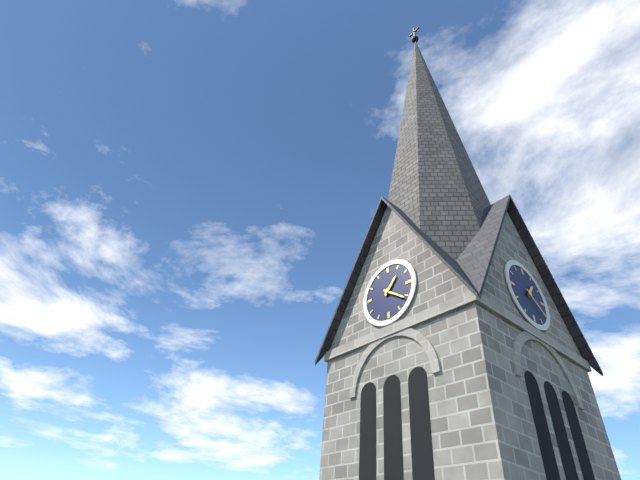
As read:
{"hour": 1, "minute": 21}
